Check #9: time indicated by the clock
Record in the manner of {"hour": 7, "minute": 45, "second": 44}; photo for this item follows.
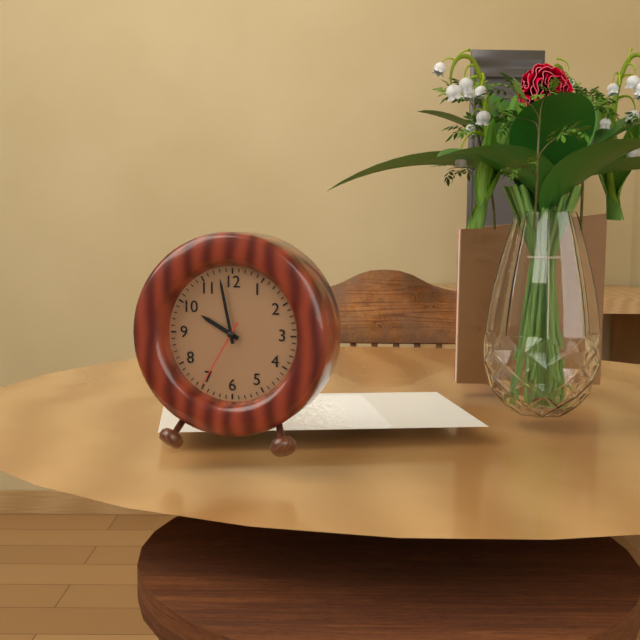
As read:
{"hour": 9, "minute": 58, "second": 35}
